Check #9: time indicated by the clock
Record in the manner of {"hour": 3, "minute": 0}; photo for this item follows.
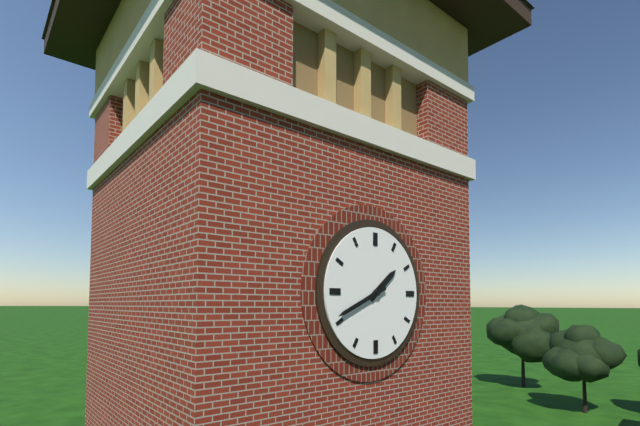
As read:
{"hour": 1, "minute": 41}
